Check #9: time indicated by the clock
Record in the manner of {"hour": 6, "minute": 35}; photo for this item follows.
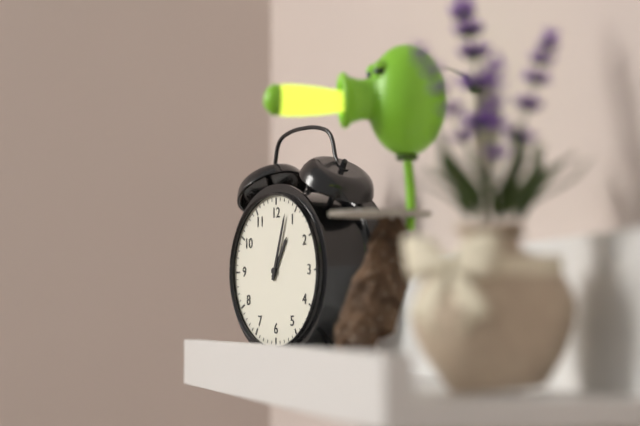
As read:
{"hour": 1, "minute": 3}
